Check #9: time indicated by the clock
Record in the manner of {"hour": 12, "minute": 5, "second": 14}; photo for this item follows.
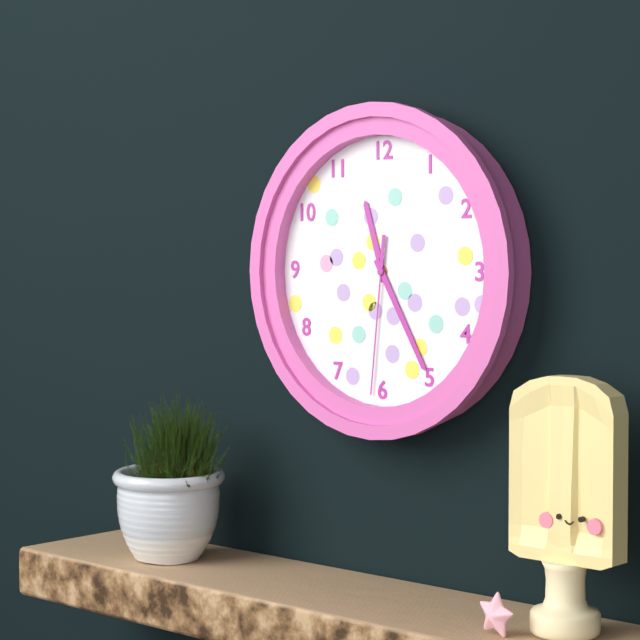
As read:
{"hour": 11, "minute": 25, "second": 31}
